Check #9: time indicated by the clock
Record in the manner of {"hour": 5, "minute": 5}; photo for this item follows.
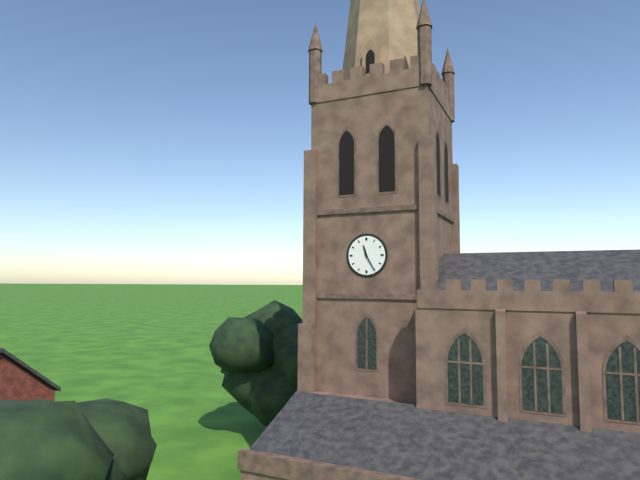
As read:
{"hour": 11, "minute": 25}
